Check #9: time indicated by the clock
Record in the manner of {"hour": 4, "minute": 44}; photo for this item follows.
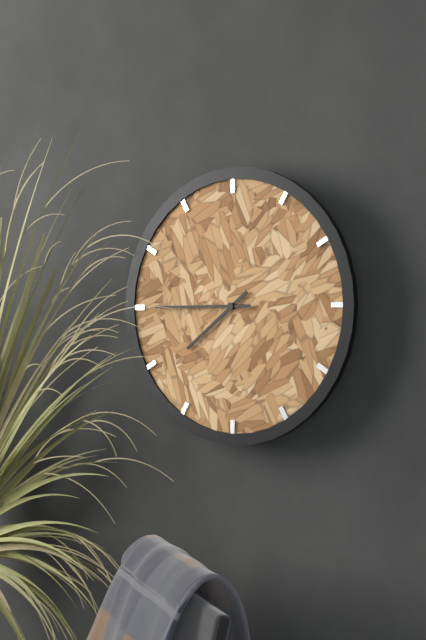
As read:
{"hour": 7, "minute": 45}
